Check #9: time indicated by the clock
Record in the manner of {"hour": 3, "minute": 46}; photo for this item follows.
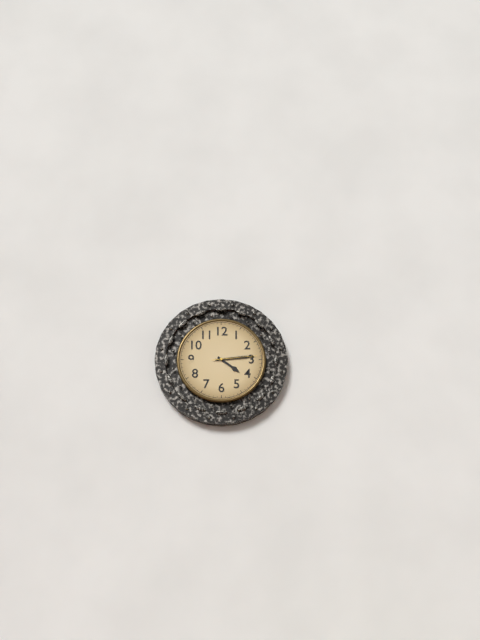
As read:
{"hour": 4, "minute": 14}
